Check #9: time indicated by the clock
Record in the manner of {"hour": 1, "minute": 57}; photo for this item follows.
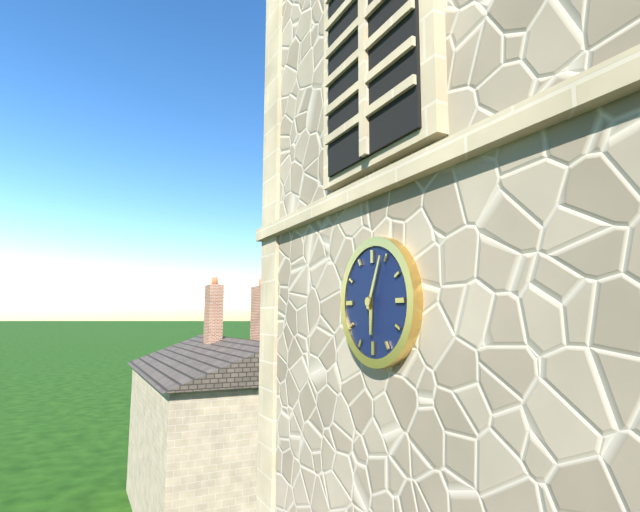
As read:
{"hour": 6, "minute": 4}
